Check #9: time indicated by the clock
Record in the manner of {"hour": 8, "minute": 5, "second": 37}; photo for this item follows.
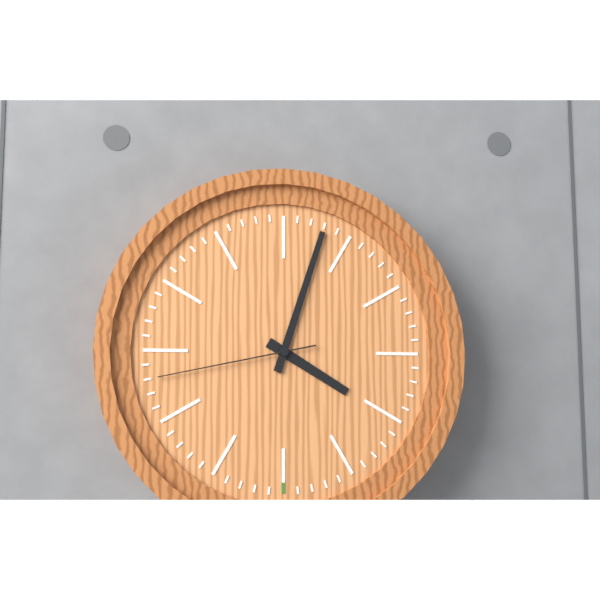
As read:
{"hour": 4, "minute": 3, "second": 43}
